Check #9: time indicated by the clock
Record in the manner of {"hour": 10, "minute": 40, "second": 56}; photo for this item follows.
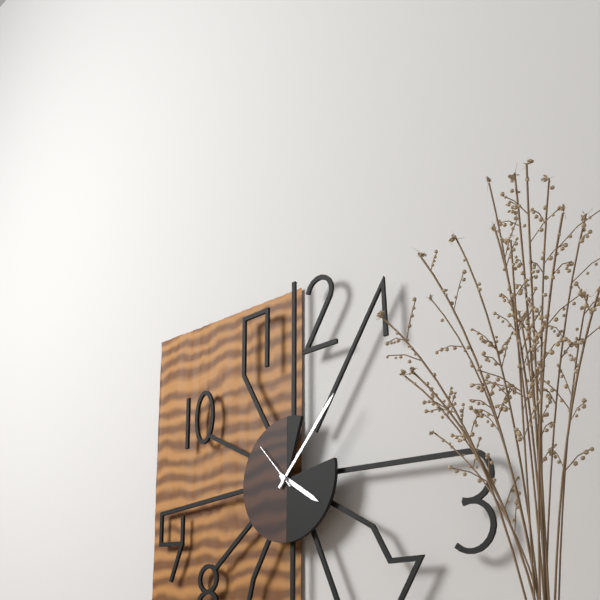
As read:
{"hour": 4, "minute": 7, "second": 53}
